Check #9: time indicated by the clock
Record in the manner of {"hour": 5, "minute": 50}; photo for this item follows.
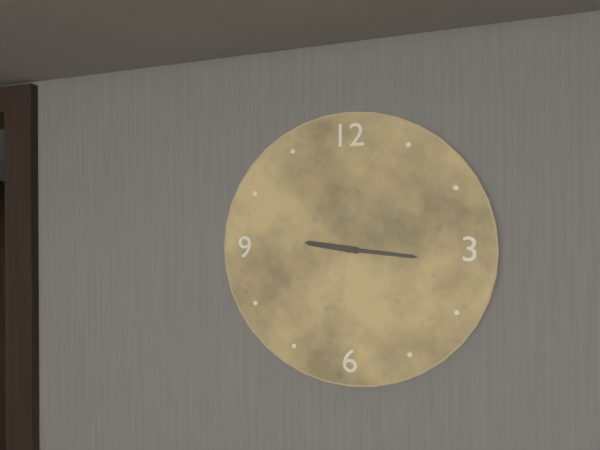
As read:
{"hour": 9, "minute": 16}
